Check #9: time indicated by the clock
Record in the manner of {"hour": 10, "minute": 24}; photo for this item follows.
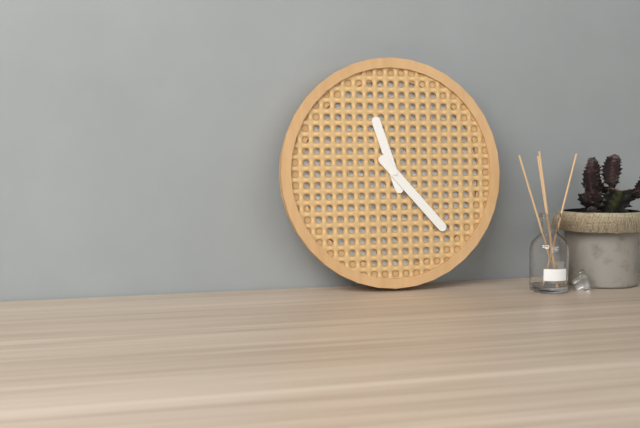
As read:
{"hour": 11, "minute": 23}
